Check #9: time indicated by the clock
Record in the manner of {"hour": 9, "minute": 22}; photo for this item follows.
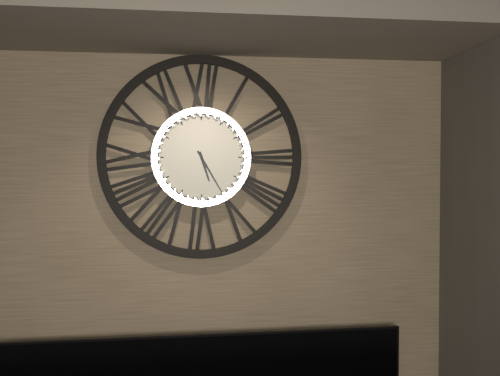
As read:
{"hour": 5, "minute": 25}
